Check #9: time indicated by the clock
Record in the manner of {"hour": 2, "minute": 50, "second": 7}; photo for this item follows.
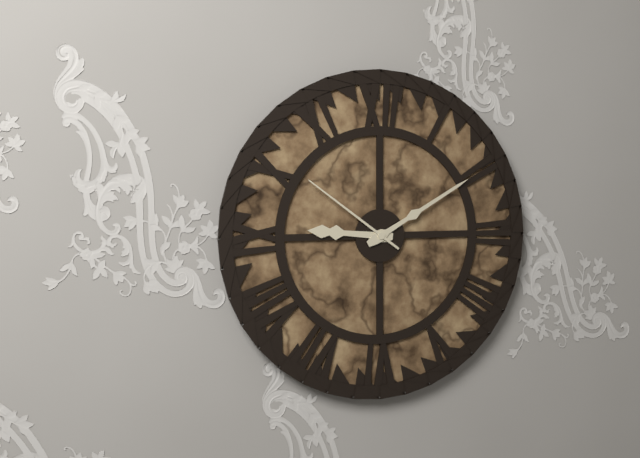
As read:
{"hour": 9, "minute": 10, "second": 51}
